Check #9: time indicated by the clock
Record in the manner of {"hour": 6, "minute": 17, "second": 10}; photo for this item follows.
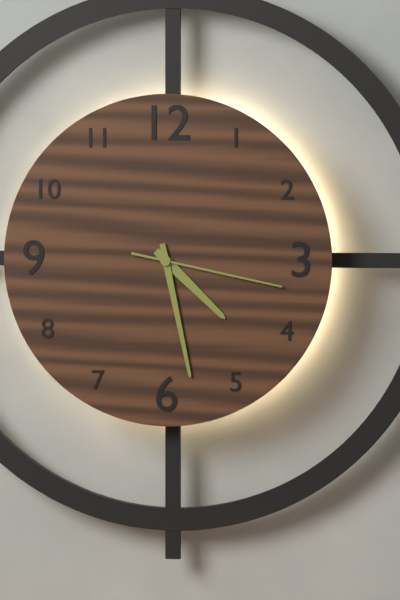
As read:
{"hour": 4, "minute": 28, "second": 17}
